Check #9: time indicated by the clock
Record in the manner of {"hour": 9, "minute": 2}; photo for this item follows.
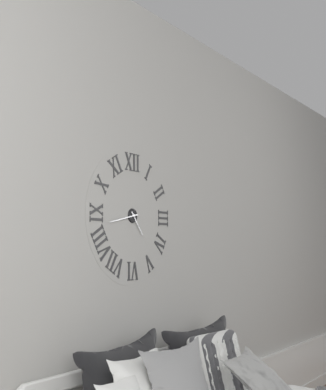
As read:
{"hour": 4, "minute": 43}
